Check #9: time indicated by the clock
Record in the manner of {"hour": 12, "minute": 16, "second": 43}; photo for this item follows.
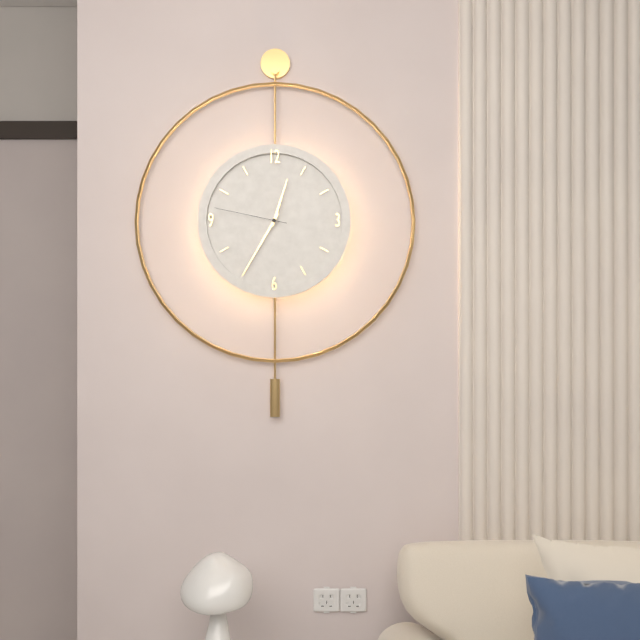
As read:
{"hour": 12, "minute": 35, "second": 47}
